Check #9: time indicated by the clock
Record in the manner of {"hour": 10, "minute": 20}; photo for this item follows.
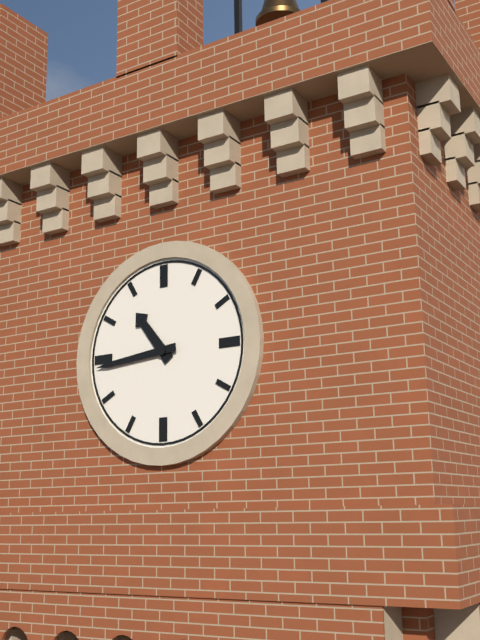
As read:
{"hour": 10, "minute": 44}
